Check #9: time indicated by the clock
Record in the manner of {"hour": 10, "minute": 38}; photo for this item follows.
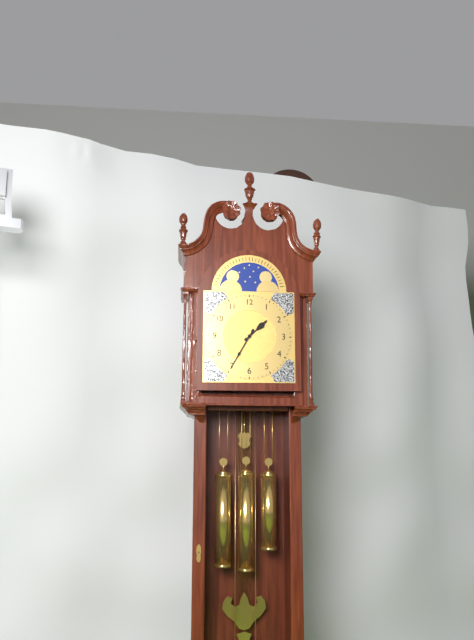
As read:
{"hour": 1, "minute": 35}
